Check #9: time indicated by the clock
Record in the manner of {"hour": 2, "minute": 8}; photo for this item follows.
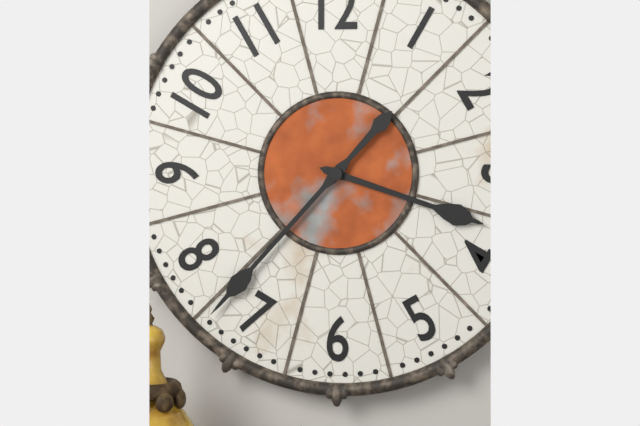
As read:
{"hour": 3, "minute": 37}
